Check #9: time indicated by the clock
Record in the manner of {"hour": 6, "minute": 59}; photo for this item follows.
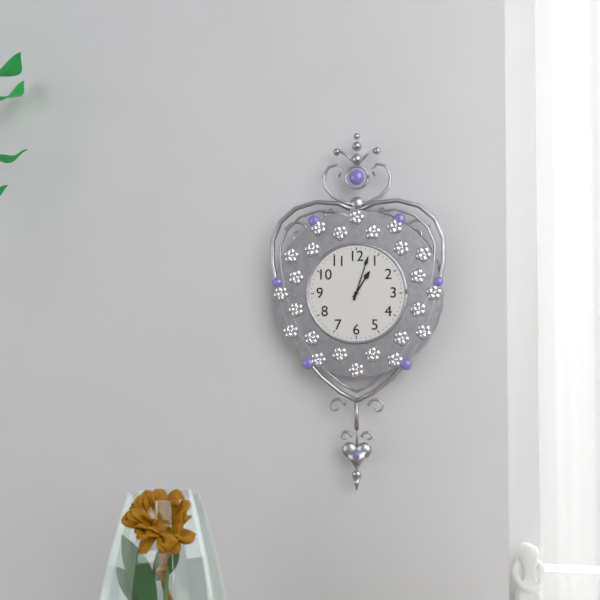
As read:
{"hour": 1, "minute": 3}
